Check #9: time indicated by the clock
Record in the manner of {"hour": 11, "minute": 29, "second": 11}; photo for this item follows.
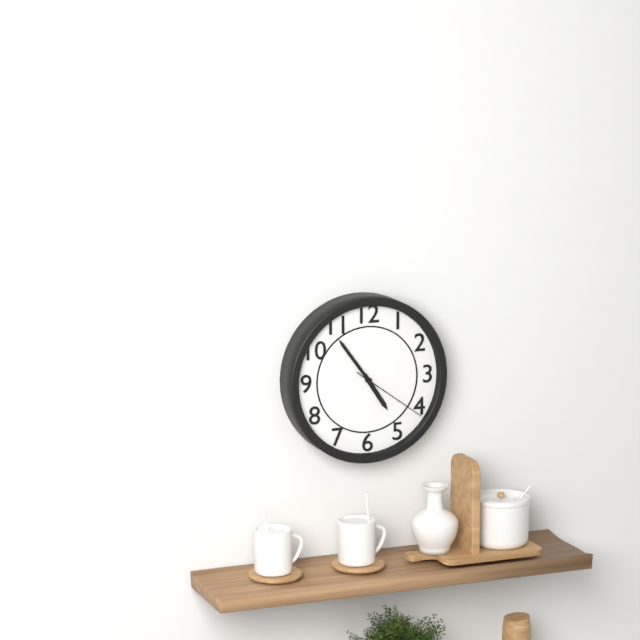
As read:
{"hour": 4, "minute": 54, "second": 21}
